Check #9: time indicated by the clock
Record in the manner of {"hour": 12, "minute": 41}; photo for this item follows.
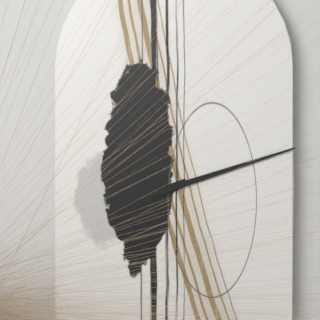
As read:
{"hour": 8, "minute": 12}
